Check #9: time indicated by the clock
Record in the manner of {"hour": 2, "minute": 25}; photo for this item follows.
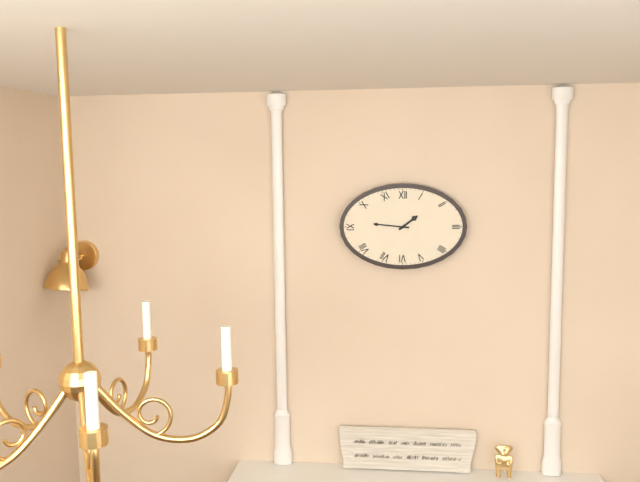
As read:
{"hour": 1, "minute": 46}
